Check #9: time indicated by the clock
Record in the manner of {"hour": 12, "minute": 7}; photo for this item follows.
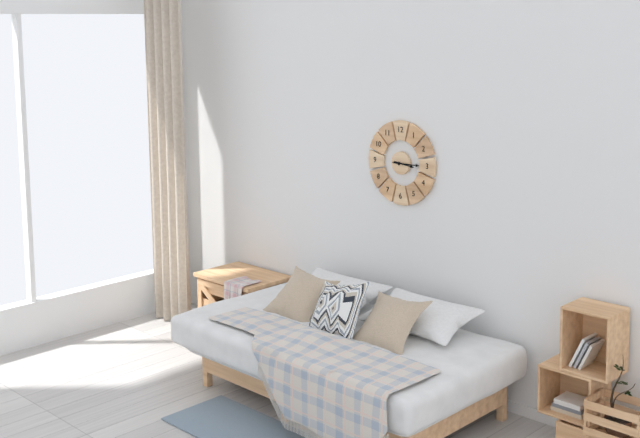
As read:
{"hour": 3, "minute": 15}
